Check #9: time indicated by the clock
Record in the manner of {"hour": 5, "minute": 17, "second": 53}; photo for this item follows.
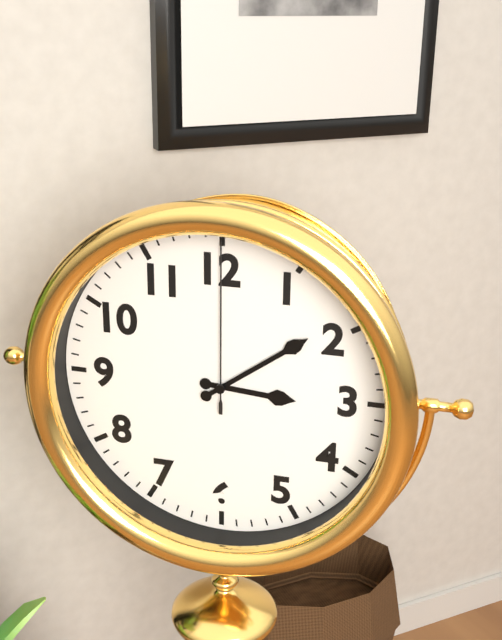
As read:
{"hour": 3, "minute": 9, "second": 0}
